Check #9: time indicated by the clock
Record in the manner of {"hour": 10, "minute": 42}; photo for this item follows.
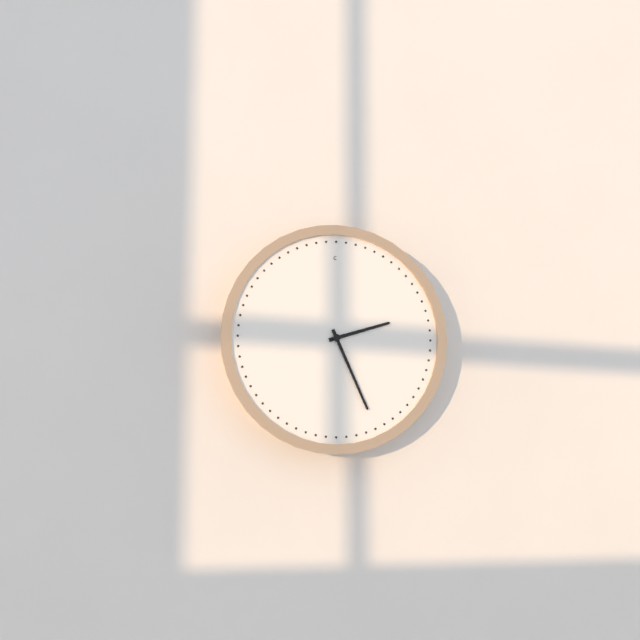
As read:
{"hour": 2, "minute": 26}
